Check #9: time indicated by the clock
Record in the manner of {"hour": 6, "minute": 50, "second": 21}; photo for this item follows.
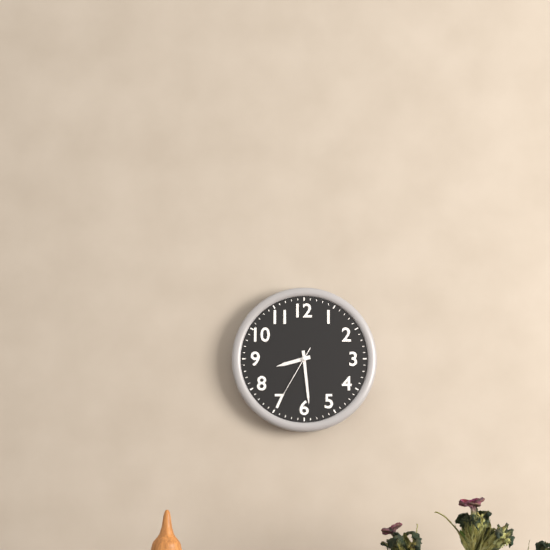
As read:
{"hour": 8, "minute": 29, "second": 35}
